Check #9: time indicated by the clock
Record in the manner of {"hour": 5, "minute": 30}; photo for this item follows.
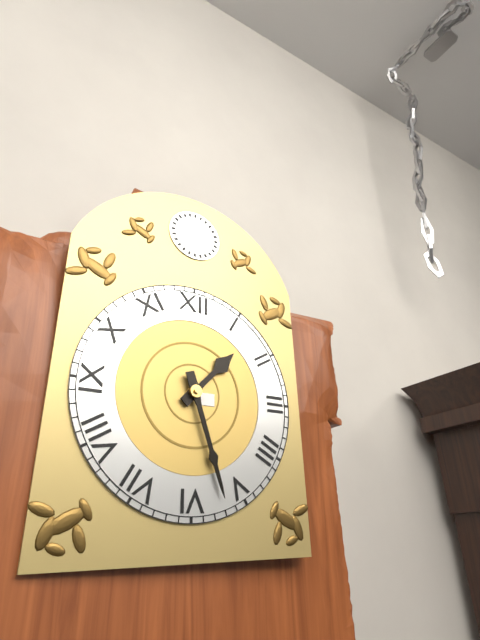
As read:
{"hour": 1, "minute": 27}
